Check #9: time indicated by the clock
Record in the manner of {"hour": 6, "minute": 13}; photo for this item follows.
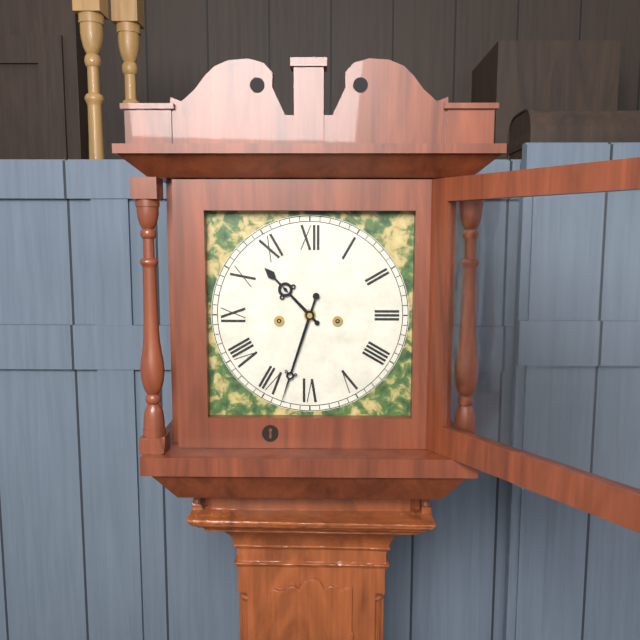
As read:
{"hour": 10, "minute": 33}
